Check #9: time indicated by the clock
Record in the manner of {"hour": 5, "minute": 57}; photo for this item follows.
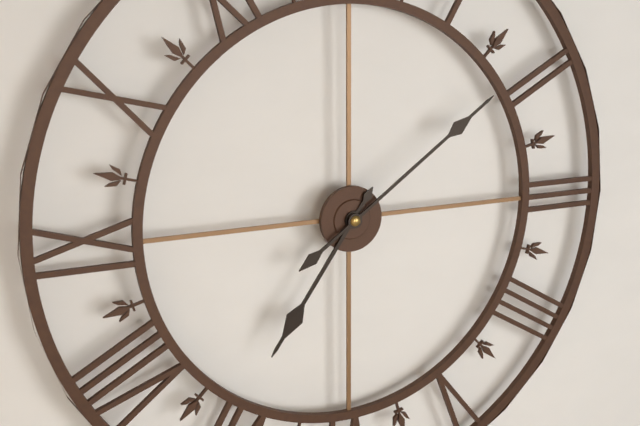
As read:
{"hour": 7, "minute": 9}
